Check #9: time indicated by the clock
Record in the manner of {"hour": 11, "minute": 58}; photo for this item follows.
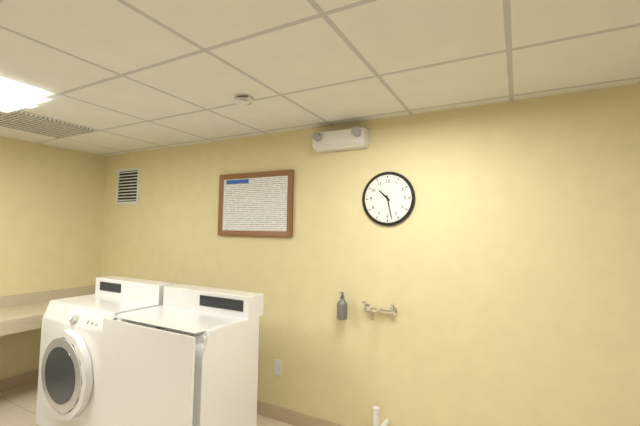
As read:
{"hour": 10, "minute": 28}
